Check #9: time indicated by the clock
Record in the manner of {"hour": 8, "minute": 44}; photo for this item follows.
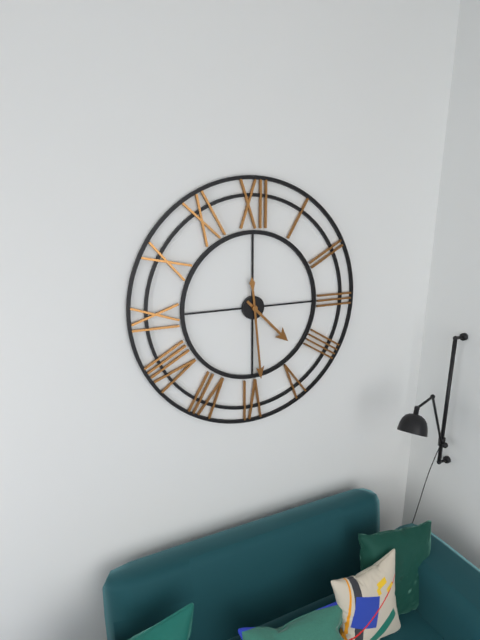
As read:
{"hour": 4, "minute": 29}
